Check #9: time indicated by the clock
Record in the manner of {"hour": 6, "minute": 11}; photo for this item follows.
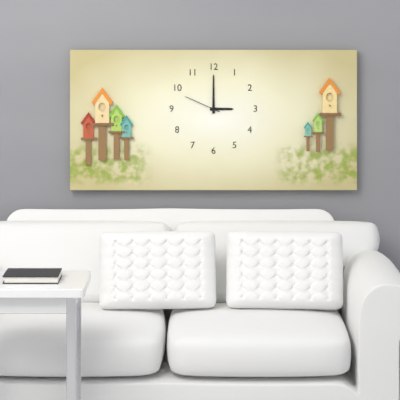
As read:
{"hour": 3, "minute": 0}
